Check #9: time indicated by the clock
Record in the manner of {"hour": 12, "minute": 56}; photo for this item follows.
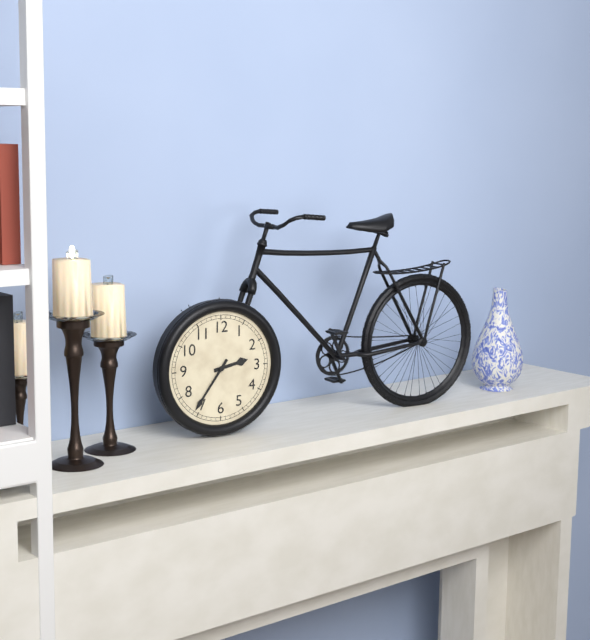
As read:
{"hour": 2, "minute": 36}
